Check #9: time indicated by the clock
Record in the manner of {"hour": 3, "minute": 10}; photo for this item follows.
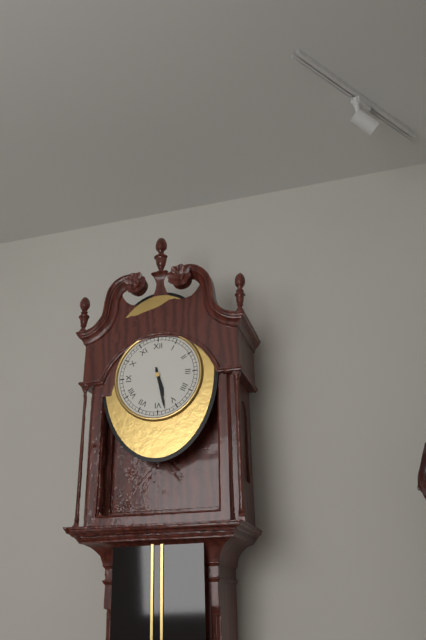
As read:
{"hour": 5, "minute": 28}
